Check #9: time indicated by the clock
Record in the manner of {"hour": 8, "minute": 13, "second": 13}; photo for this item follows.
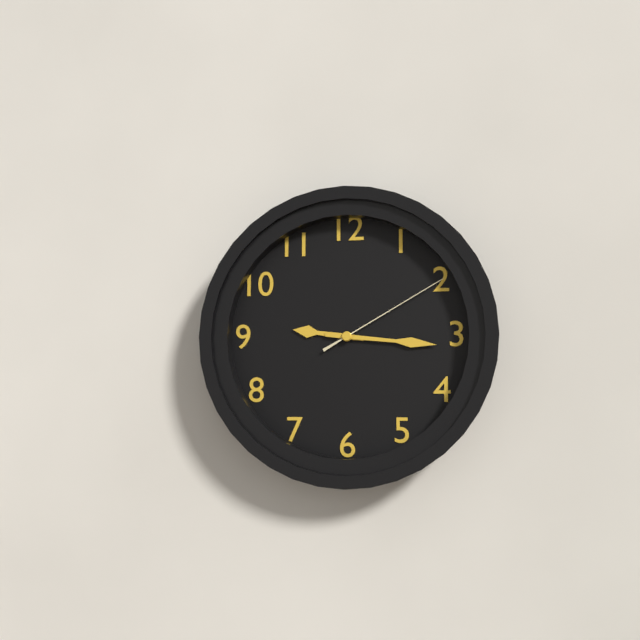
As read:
{"hour": 9, "minute": 16, "second": 10}
